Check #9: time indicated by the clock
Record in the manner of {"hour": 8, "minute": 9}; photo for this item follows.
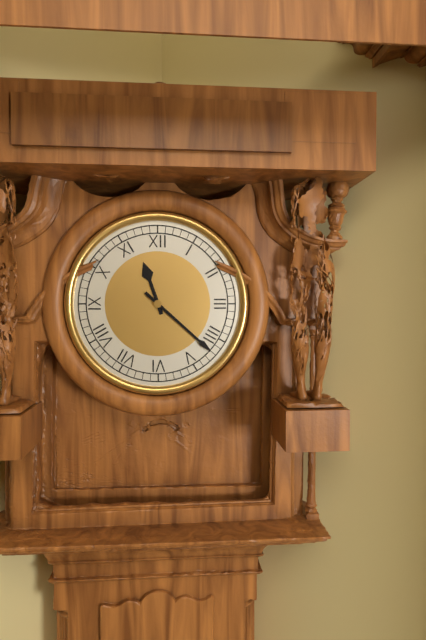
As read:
{"hour": 11, "minute": 22}
